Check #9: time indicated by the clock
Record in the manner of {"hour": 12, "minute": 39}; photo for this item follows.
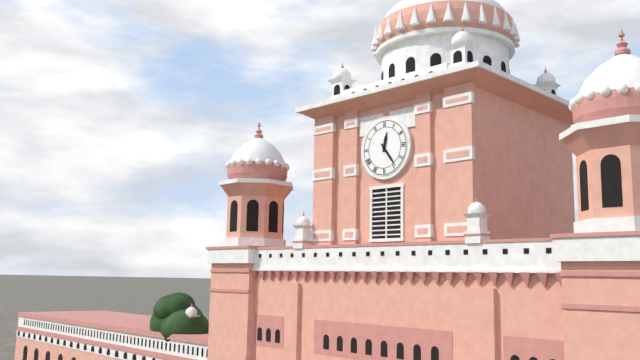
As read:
{"hour": 12, "minute": 24}
